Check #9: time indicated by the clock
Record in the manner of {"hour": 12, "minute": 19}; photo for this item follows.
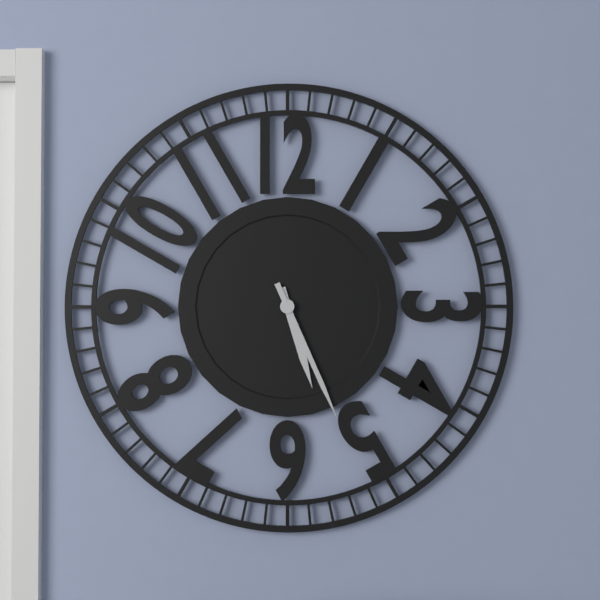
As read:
{"hour": 5, "minute": 26}
